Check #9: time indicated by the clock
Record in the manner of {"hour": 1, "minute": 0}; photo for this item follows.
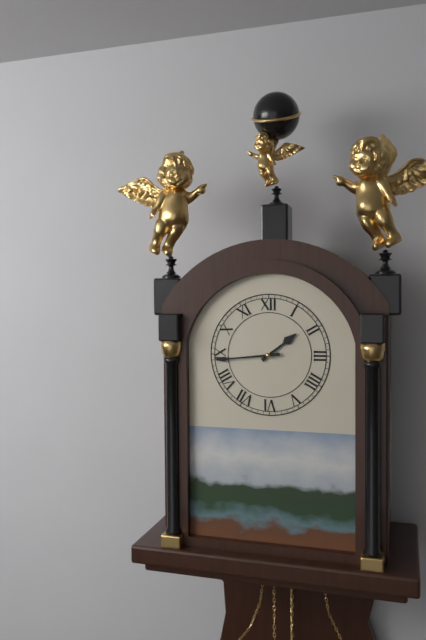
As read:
{"hour": 1, "minute": 44}
